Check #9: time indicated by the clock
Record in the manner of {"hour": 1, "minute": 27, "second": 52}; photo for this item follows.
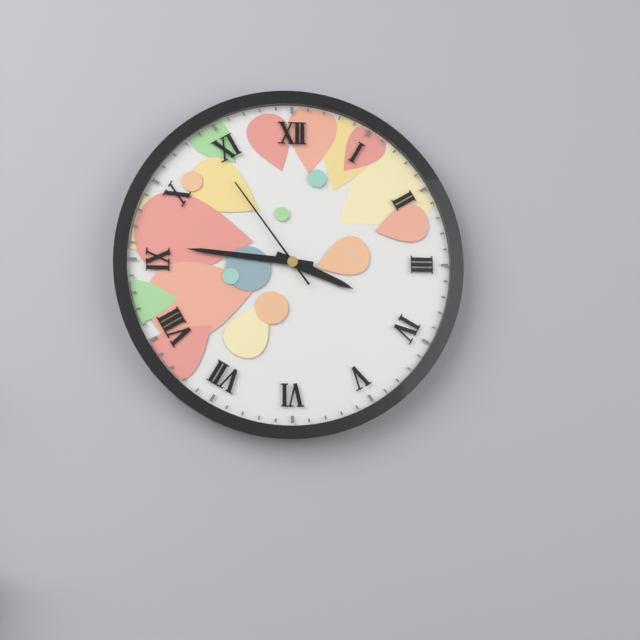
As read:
{"hour": 3, "minute": 46, "second": 54}
